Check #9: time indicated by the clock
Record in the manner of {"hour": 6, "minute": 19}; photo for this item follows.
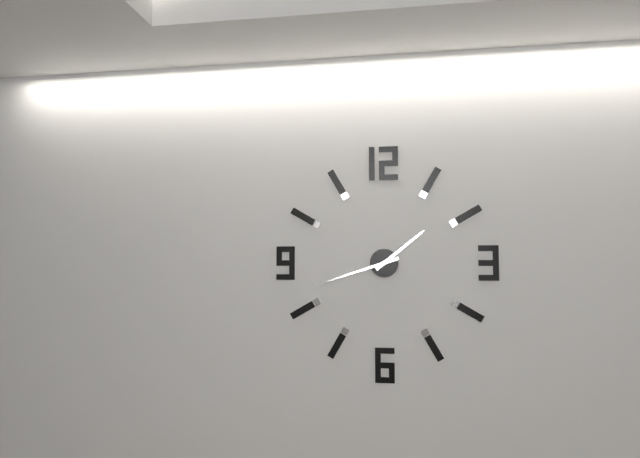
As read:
{"hour": 1, "minute": 42}
